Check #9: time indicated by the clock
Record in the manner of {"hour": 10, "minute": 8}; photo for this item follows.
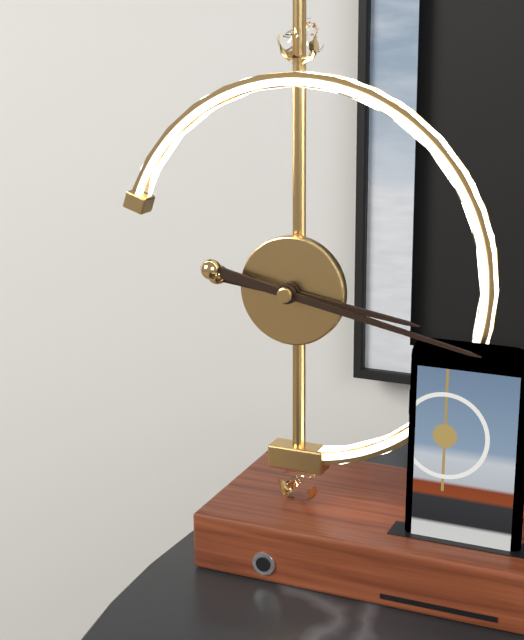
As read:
{"hour": 3, "minute": 17}
